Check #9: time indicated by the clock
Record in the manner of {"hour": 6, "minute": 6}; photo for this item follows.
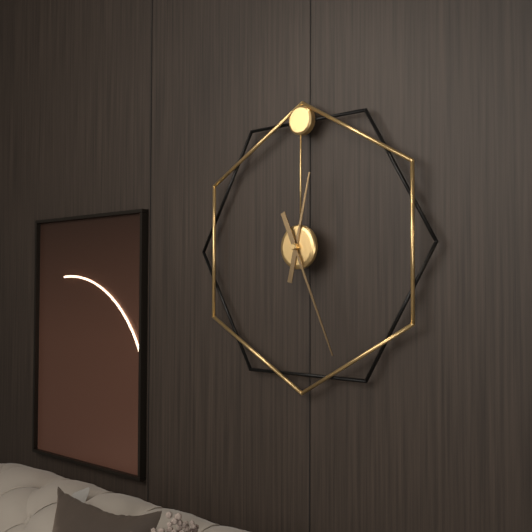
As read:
{"hour": 12, "minute": 26}
